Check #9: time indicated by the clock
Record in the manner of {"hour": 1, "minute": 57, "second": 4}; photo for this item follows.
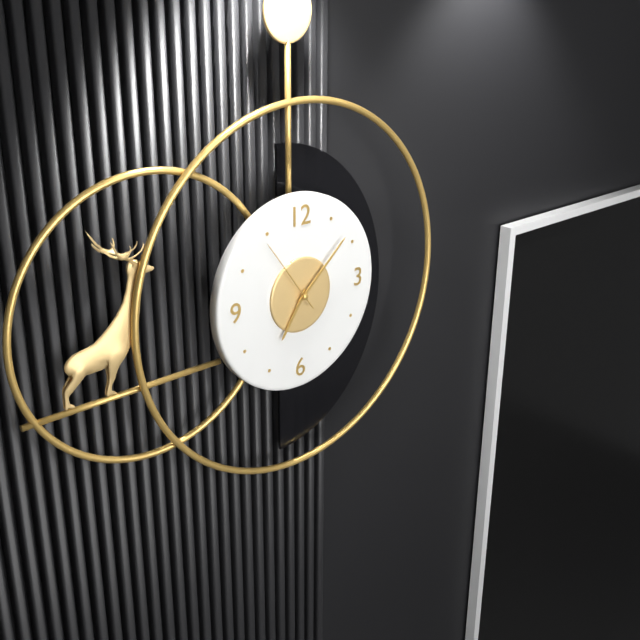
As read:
{"hour": 7, "minute": 8, "second": 54}
